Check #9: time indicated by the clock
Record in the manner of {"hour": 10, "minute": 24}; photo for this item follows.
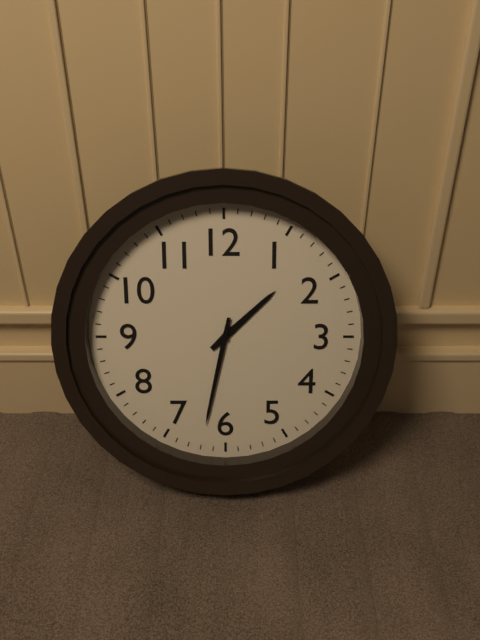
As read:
{"hour": 1, "minute": 32}
